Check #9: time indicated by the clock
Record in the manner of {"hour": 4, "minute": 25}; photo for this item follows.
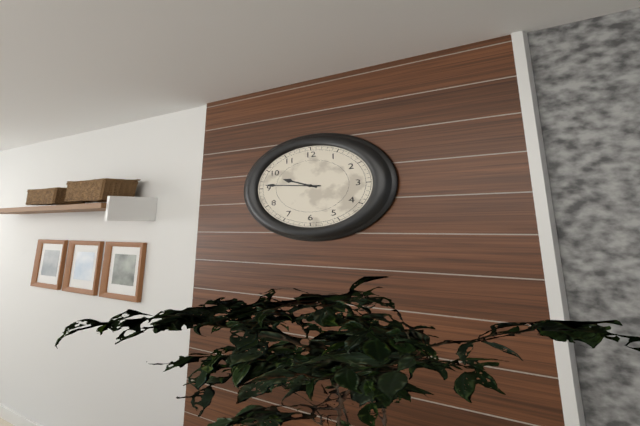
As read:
{"hour": 9, "minute": 46}
